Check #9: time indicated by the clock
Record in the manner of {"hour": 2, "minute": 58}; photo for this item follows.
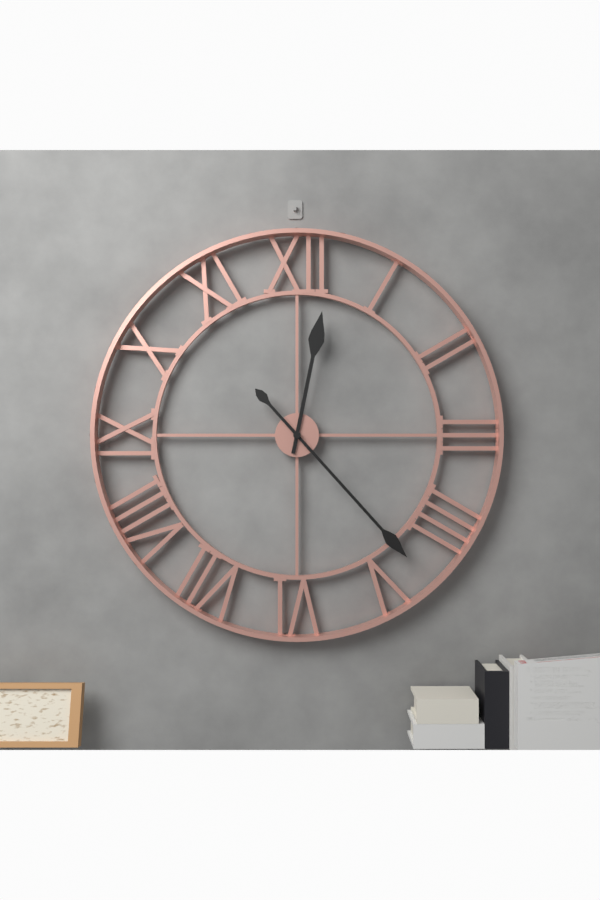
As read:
{"hour": 12, "minute": 23}
